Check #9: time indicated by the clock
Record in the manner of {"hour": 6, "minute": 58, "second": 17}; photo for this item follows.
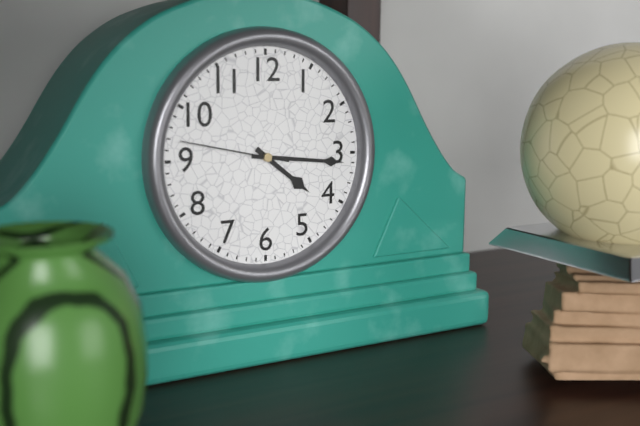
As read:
{"hour": 4, "minute": 16, "second": 47}
